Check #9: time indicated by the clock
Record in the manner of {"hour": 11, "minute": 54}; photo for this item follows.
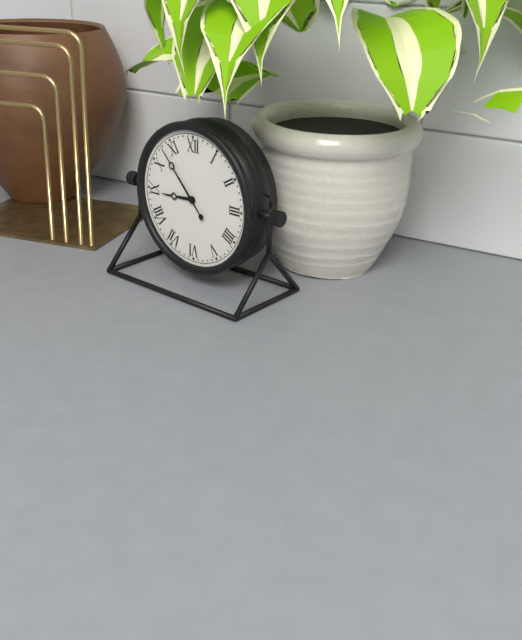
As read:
{"hour": 8, "minute": 53}
